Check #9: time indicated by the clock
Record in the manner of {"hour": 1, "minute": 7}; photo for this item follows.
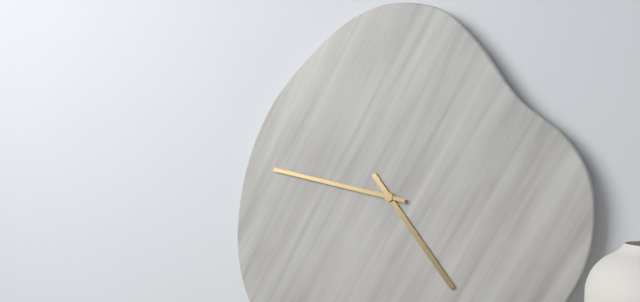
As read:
{"hour": 4, "minute": 47}
